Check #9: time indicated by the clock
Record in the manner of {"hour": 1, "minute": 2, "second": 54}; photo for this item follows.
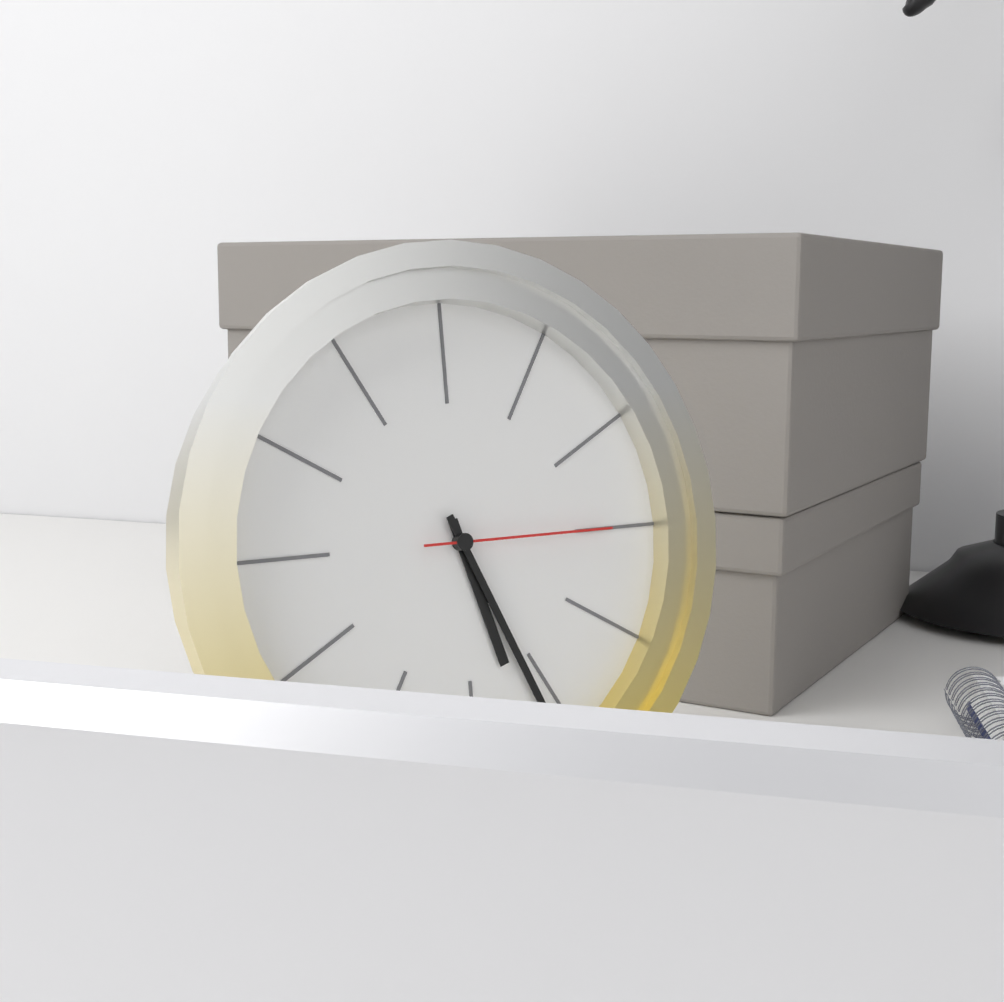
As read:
{"hour": 5, "minute": 26, "second": 15}
